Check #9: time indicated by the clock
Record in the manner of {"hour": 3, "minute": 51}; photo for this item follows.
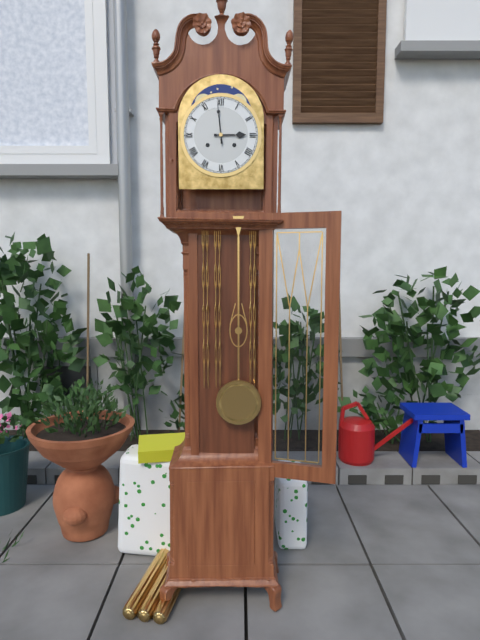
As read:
{"hour": 2, "minute": 59}
